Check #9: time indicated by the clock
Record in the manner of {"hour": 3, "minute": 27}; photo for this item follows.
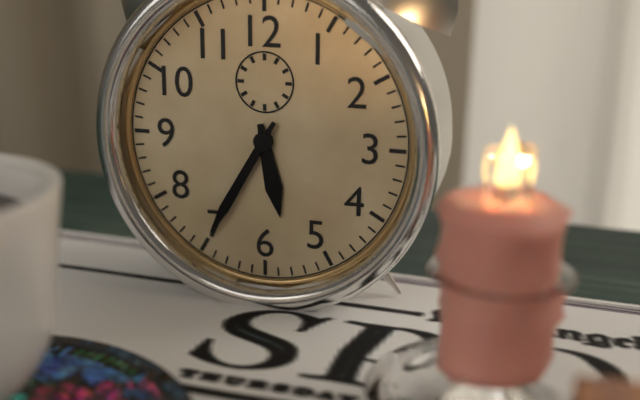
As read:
{"hour": 5, "minute": 35}
